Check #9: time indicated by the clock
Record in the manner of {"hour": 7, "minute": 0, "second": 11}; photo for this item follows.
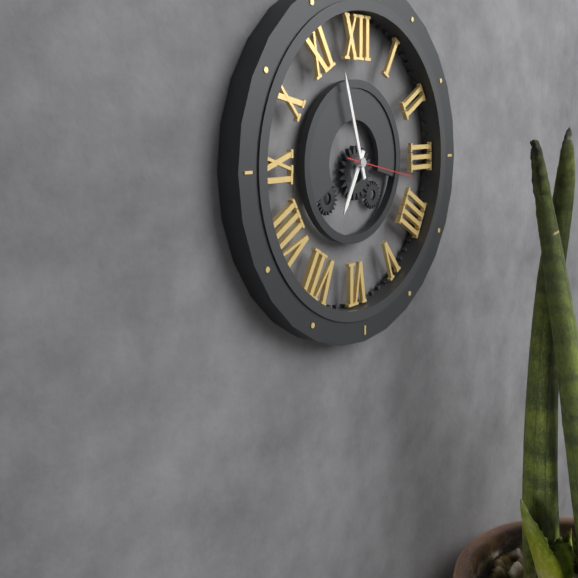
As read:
{"hour": 6, "minute": 57, "second": 17}
